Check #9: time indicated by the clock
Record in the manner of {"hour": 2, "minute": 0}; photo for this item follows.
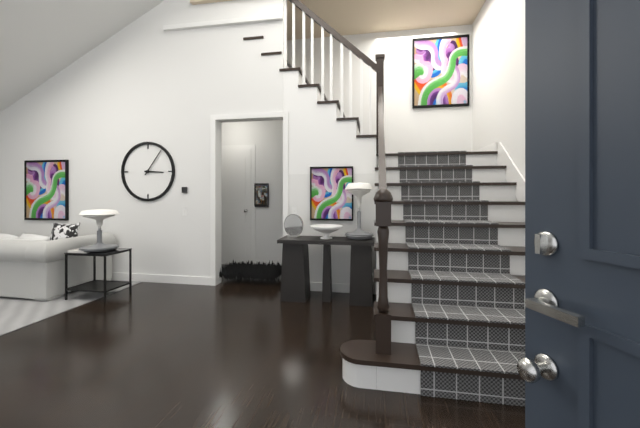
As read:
{"hour": 3, "minute": 6}
